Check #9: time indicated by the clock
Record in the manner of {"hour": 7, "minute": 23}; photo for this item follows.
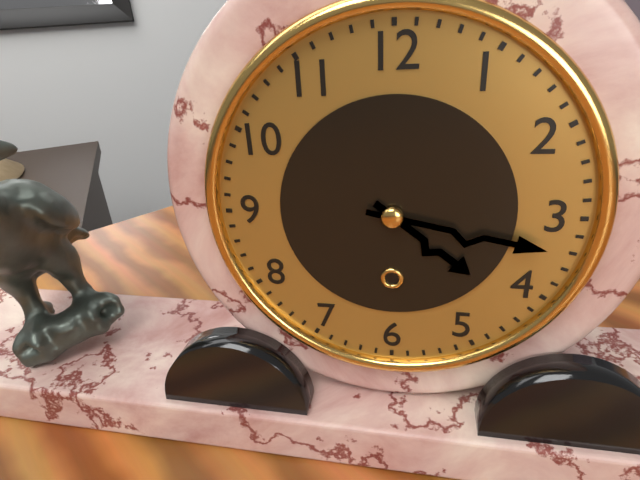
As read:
{"hour": 4, "minute": 17}
